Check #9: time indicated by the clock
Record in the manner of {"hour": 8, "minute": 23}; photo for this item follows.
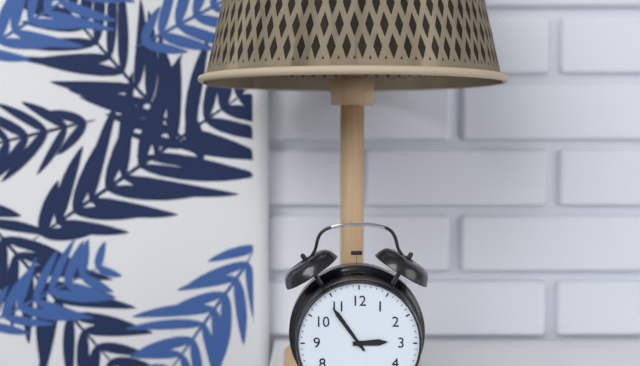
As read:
{"hour": 2, "minute": 54}
